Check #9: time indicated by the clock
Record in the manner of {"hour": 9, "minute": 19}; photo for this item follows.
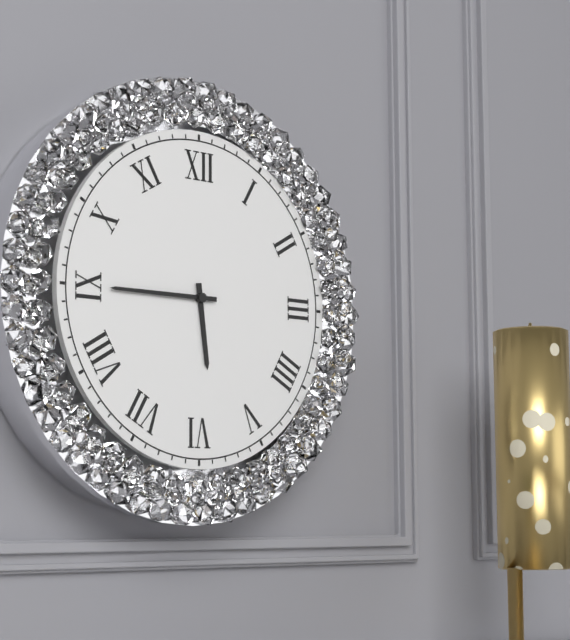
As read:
{"hour": 5, "minute": 45}
